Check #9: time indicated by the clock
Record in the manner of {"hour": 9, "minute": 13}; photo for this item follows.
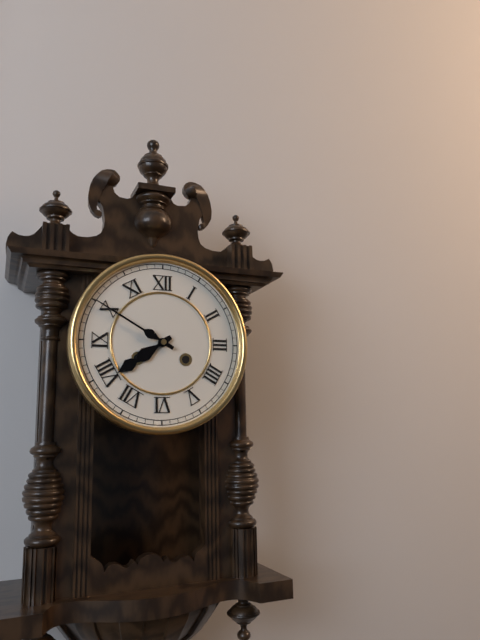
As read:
{"hour": 7, "minute": 50}
